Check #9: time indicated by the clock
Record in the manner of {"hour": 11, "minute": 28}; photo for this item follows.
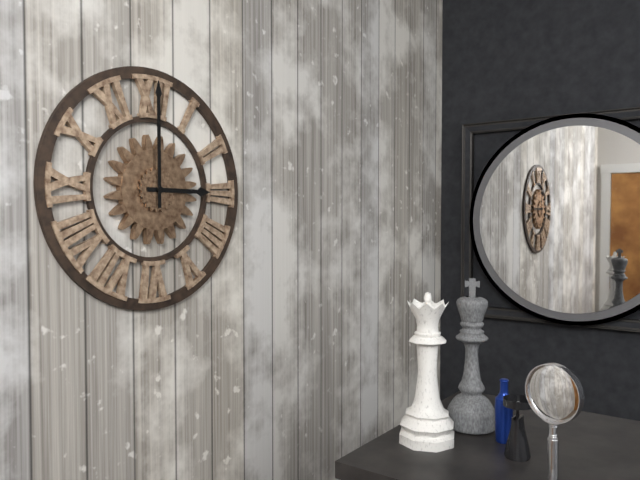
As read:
{"hour": 3, "minute": 0}
